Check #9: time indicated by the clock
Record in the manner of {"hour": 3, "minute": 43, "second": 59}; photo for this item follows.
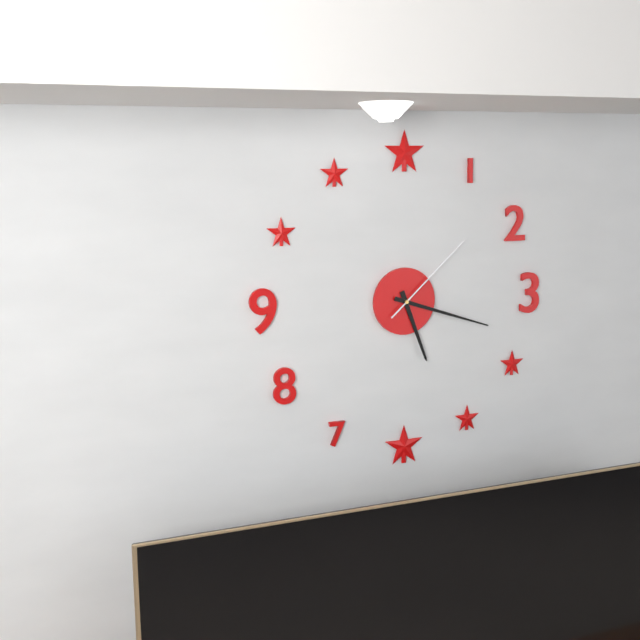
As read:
{"hour": 5, "minute": 18, "second": 8}
